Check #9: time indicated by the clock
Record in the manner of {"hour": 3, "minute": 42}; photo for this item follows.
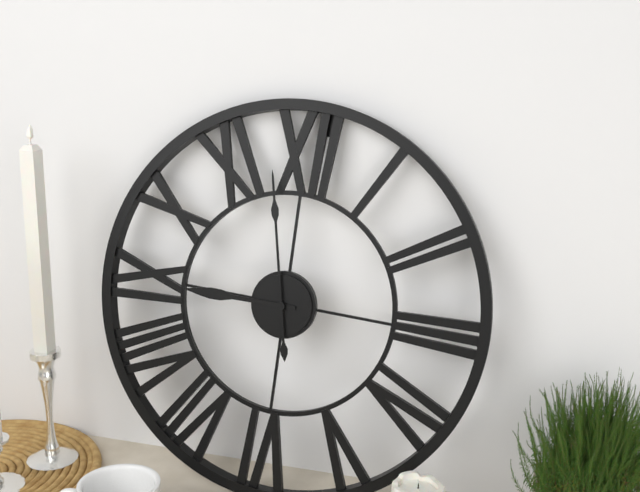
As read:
{"hour": 8, "minute": 58}
